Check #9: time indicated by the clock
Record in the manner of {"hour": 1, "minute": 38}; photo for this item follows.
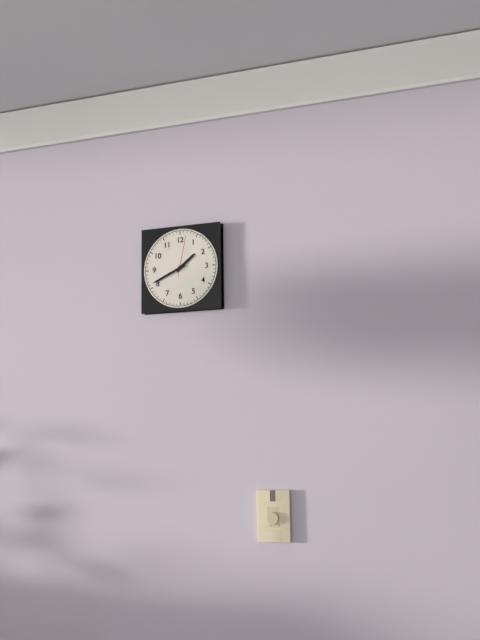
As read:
{"hour": 1, "minute": 41}
